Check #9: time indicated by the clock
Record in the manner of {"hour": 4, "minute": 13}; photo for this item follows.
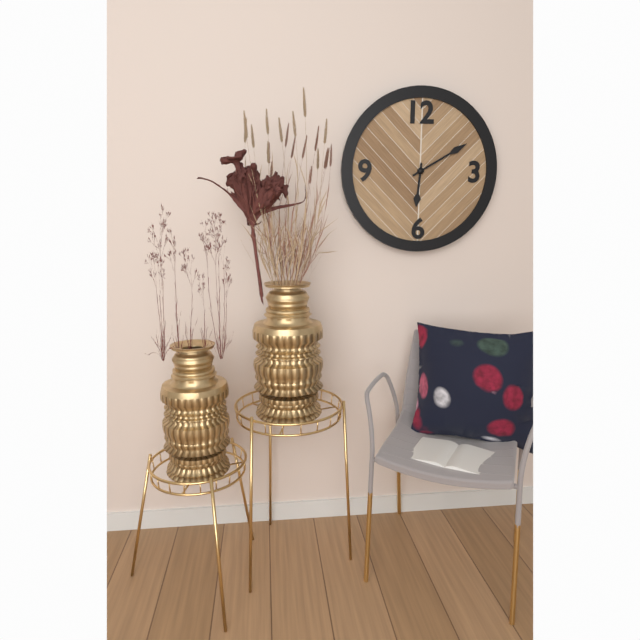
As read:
{"hour": 6, "minute": 10}
